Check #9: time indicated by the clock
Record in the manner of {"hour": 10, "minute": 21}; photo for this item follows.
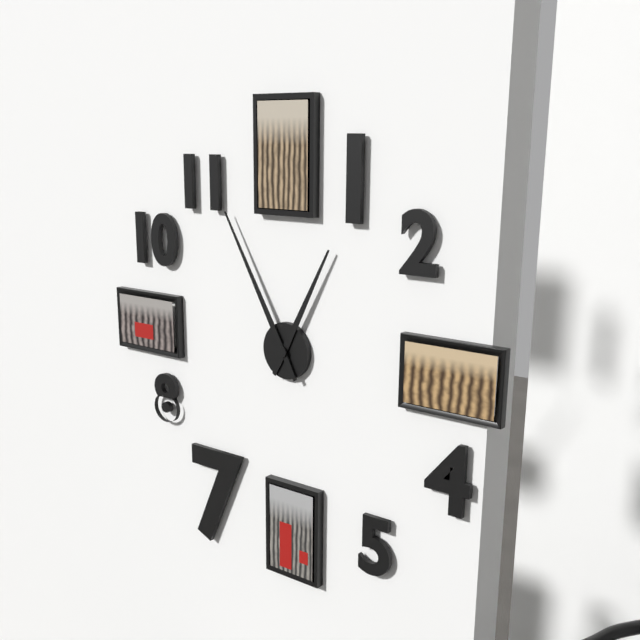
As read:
{"hour": 12, "minute": 55}
